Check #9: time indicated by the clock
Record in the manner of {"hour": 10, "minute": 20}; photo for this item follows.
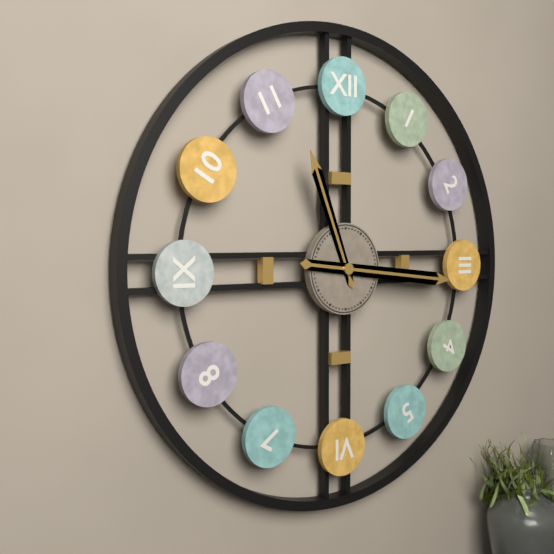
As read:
{"hour": 11, "minute": 16}
